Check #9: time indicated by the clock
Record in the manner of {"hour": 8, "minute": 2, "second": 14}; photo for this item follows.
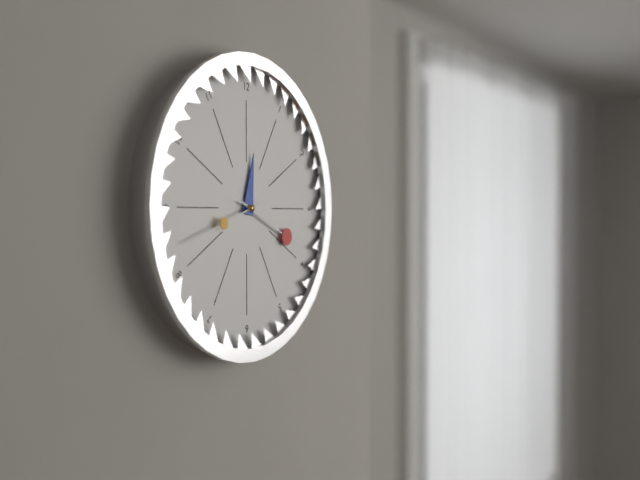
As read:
{"hour": 12, "minute": 19, "second": 42}
